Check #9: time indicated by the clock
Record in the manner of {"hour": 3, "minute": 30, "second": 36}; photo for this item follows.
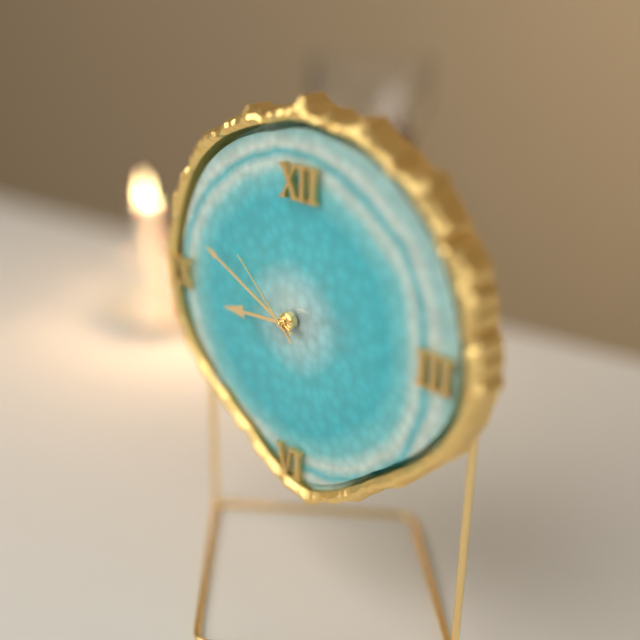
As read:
{"hour": 8, "minute": 49, "second": 52}
